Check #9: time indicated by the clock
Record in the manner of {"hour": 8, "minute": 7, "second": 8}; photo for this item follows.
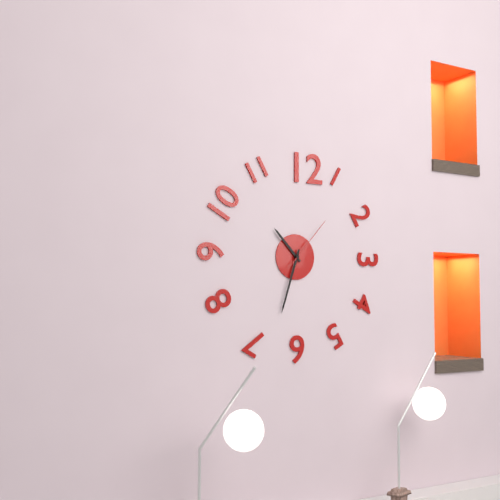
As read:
{"hour": 10, "minute": 33, "second": 7}
